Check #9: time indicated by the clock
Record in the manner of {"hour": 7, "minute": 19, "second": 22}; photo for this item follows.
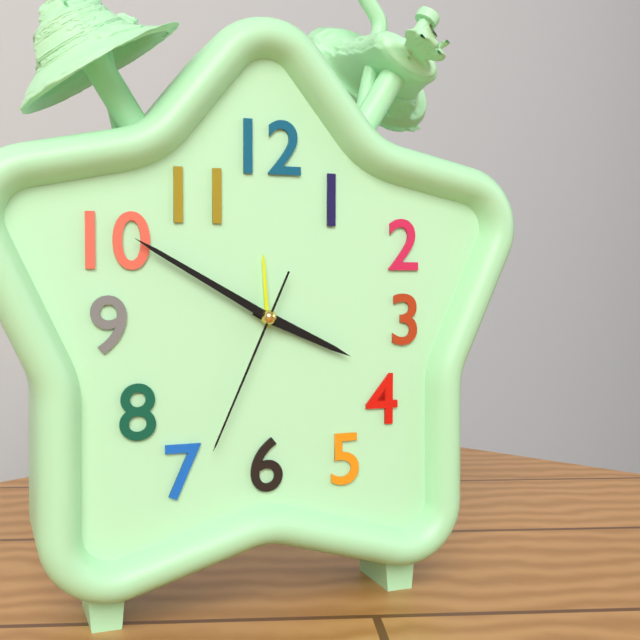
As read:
{"hour": 3, "minute": 50, "second": 34}
